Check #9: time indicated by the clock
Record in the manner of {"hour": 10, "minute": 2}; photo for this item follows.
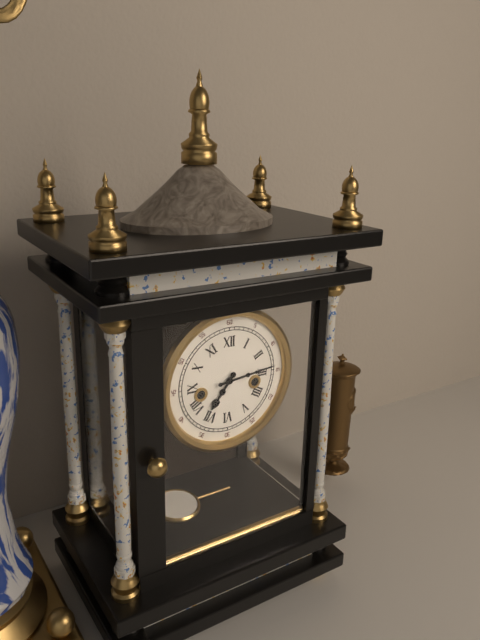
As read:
{"hour": 7, "minute": 14}
